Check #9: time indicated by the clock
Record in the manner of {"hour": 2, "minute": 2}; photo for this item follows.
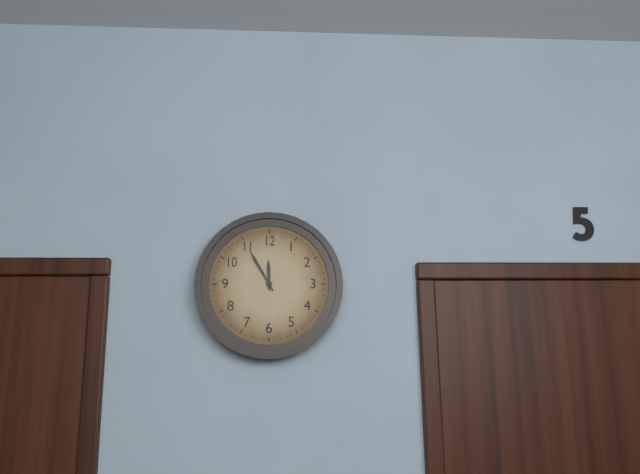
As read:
{"hour": 11, "minute": 55}
